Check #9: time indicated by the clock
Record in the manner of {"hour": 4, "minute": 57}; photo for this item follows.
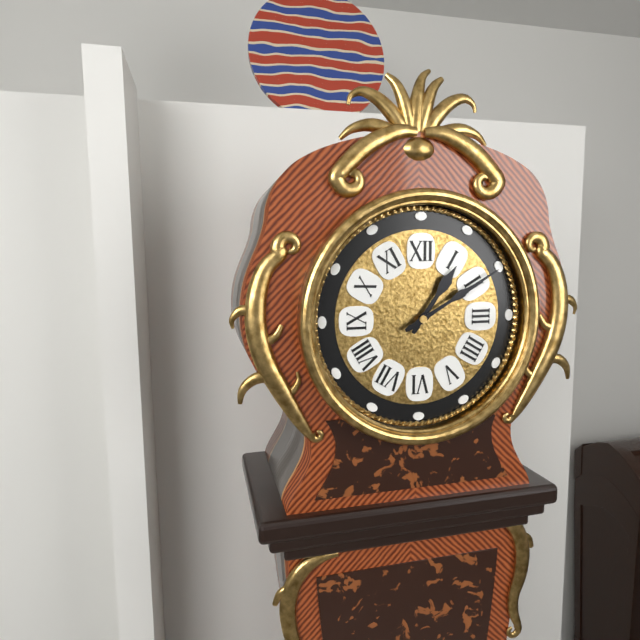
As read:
{"hour": 1, "minute": 10}
